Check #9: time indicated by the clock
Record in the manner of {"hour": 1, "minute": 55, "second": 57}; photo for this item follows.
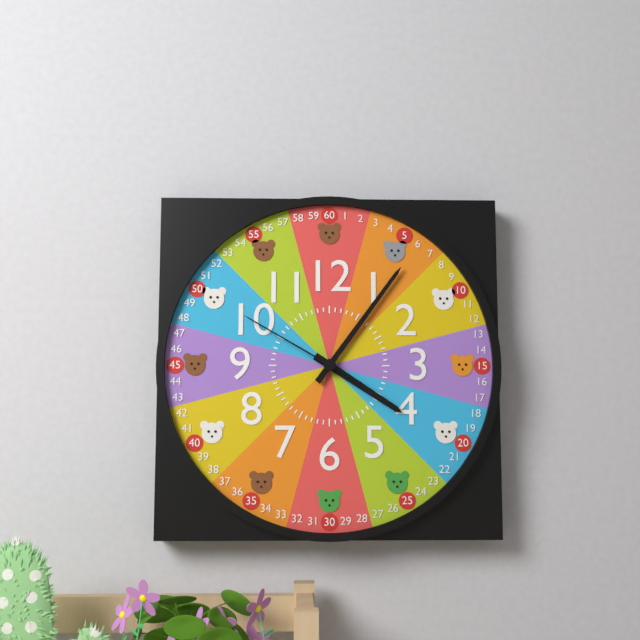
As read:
{"hour": 4, "minute": 6, "second": 50}
